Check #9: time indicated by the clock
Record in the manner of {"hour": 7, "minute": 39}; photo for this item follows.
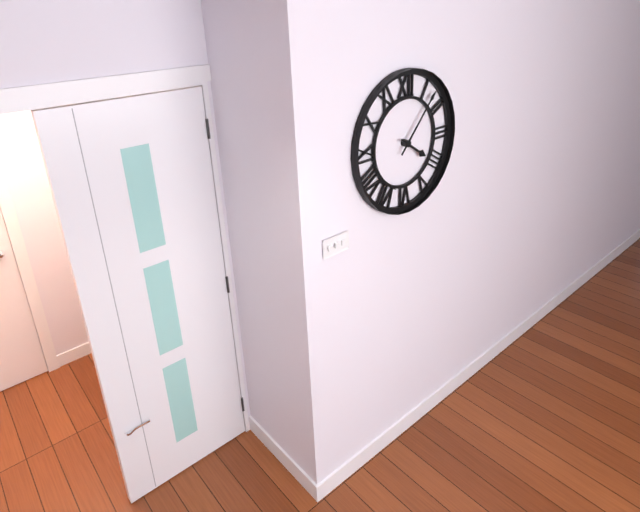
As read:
{"hour": 4, "minute": 7}
